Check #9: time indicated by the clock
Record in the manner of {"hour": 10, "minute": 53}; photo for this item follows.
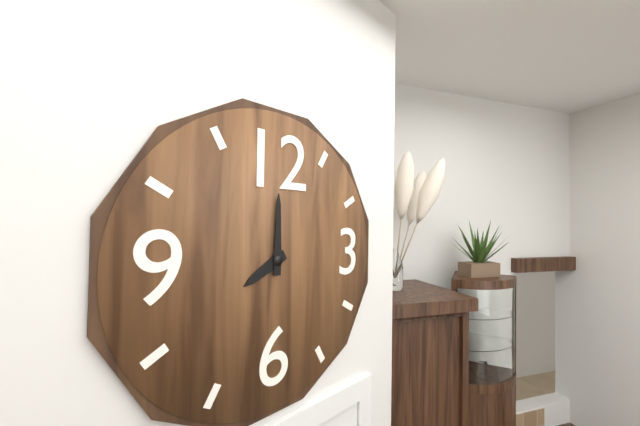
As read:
{"hour": 8, "minute": 0}
